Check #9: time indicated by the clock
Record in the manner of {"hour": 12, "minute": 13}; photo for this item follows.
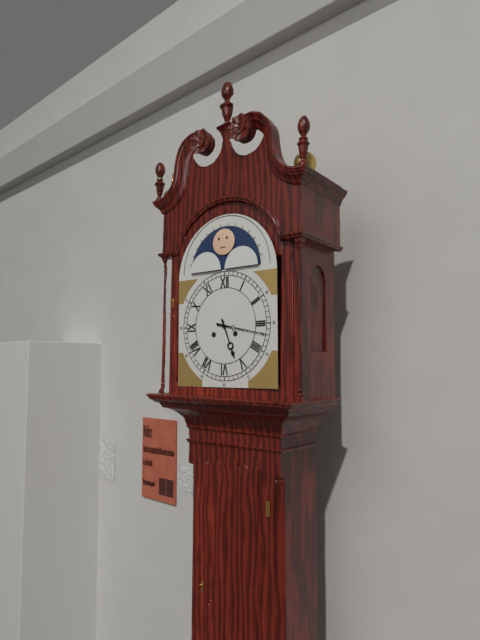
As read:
{"hour": 5, "minute": 17}
